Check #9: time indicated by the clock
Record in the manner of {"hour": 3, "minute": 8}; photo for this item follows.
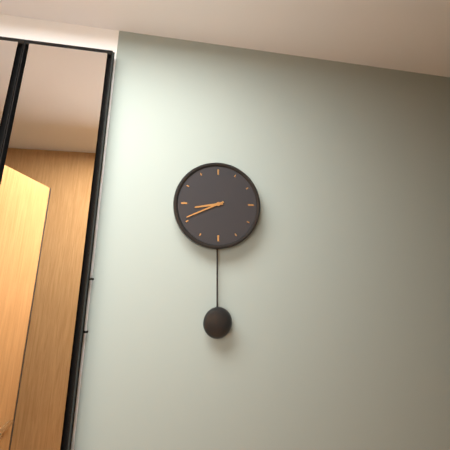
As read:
{"hour": 8, "minute": 41}
